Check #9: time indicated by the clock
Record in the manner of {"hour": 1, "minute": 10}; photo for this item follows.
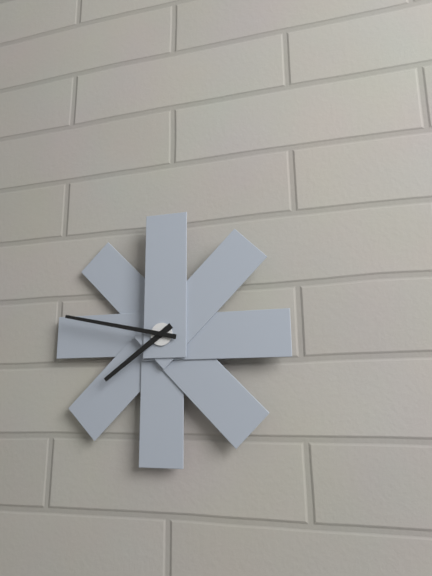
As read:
{"hour": 7, "minute": 47}
